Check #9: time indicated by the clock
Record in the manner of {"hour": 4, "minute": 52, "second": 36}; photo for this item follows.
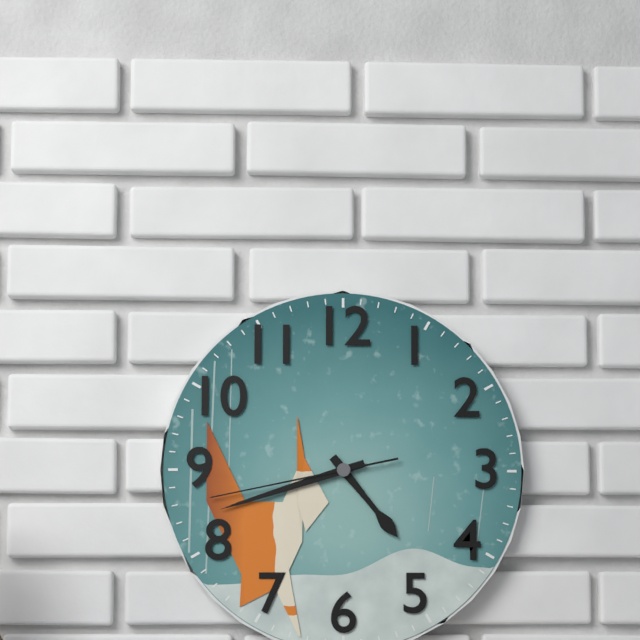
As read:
{"hour": 4, "minute": 42, "second": 43}
